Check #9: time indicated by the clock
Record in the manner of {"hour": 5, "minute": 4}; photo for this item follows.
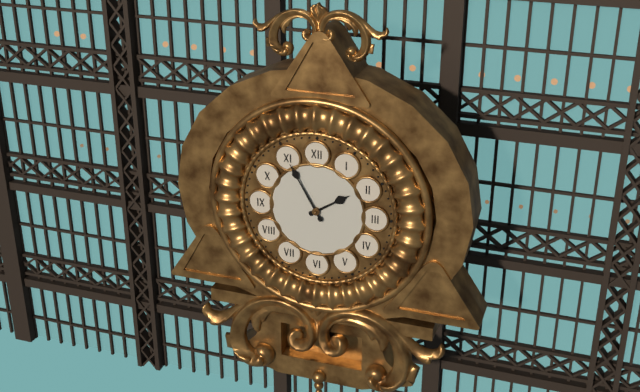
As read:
{"hour": 1, "minute": 55}
